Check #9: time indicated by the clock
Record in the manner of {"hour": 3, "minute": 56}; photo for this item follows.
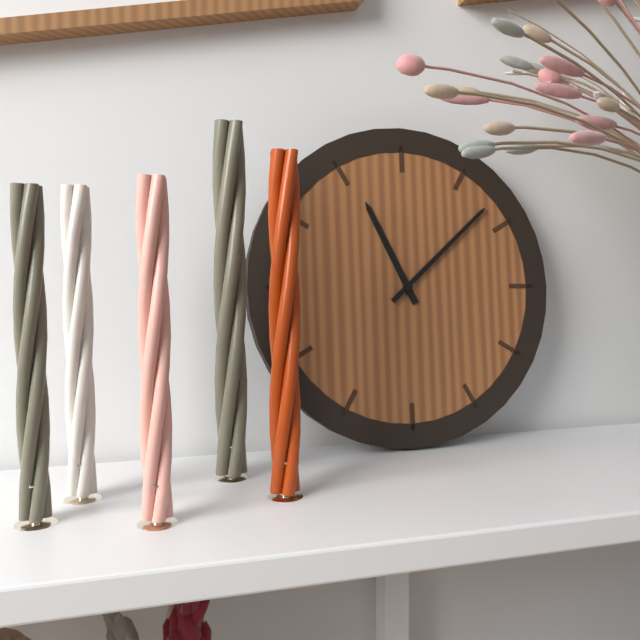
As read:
{"hour": 11, "minute": 8}
